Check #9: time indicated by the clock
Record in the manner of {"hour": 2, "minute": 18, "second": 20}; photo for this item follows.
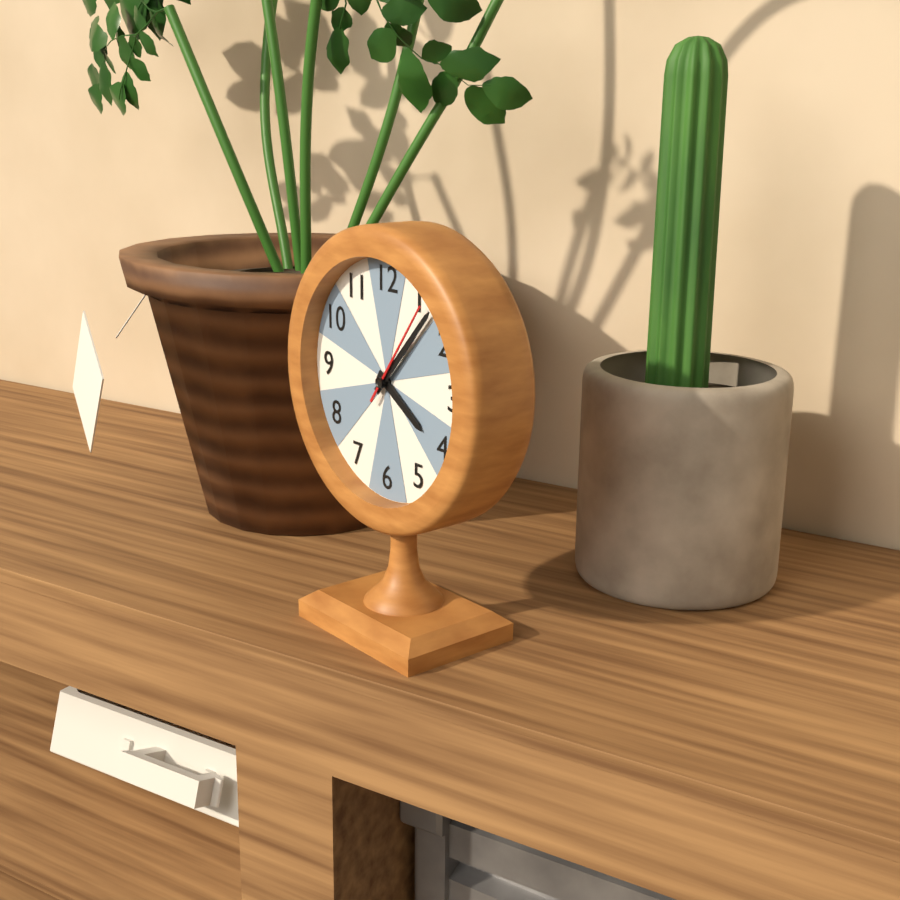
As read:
{"hour": 4, "minute": 7, "second": 6}
